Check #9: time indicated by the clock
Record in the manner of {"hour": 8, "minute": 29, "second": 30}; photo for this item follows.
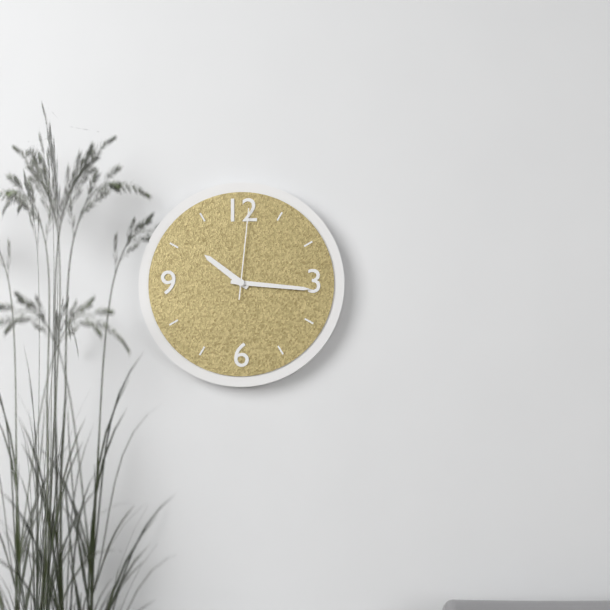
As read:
{"hour": 10, "minute": 16, "second": 1}
